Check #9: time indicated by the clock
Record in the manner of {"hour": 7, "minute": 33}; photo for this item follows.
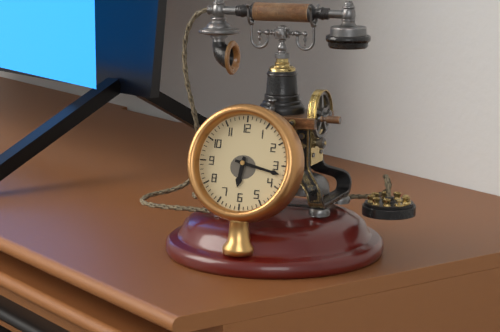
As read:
{"hour": 6, "minute": 17}
